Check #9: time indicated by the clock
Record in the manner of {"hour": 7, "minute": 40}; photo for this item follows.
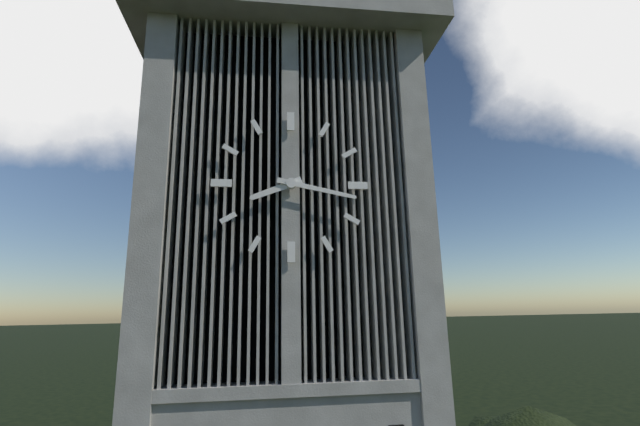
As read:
{"hour": 8, "minute": 17}
